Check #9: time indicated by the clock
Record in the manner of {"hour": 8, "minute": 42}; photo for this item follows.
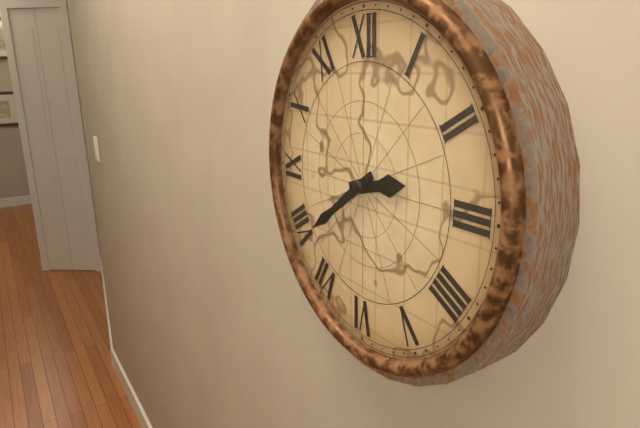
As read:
{"hour": 2, "minute": 39}
